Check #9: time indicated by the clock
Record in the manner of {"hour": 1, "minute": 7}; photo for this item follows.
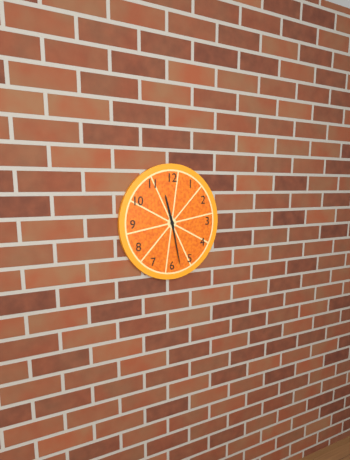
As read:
{"hour": 11, "minute": 28}
